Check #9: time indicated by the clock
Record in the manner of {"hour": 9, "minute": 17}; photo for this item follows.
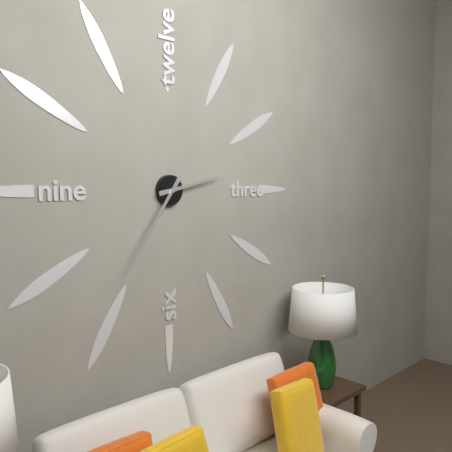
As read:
{"hour": 2, "minute": 36}
